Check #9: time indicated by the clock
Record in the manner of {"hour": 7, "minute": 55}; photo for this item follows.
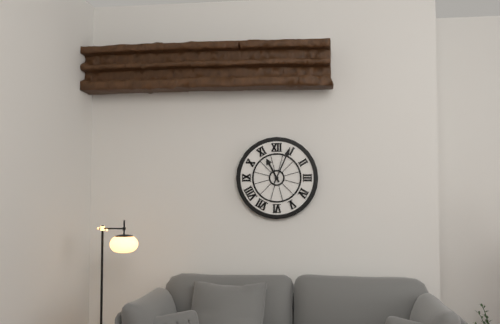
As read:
{"hour": 11, "minute": 4}
